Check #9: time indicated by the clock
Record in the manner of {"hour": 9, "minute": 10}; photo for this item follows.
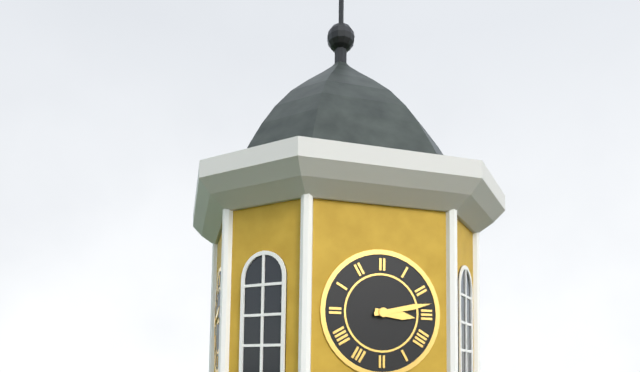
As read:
{"hour": 3, "minute": 13}
